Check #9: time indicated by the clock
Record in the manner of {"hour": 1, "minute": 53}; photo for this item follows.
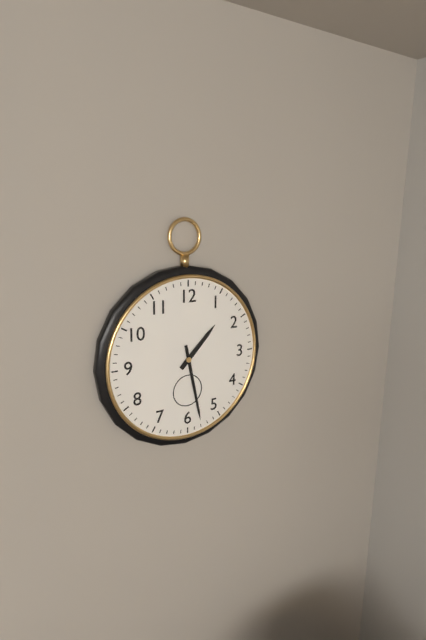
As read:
{"hour": 1, "minute": 28}
